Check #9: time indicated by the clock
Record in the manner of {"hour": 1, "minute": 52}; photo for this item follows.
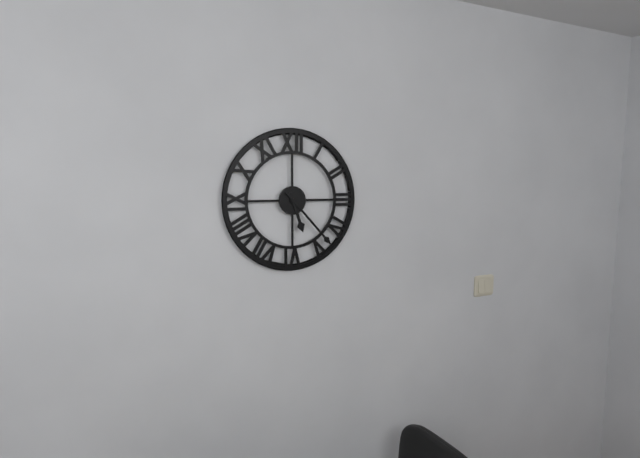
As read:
{"hour": 5, "minute": 23}
